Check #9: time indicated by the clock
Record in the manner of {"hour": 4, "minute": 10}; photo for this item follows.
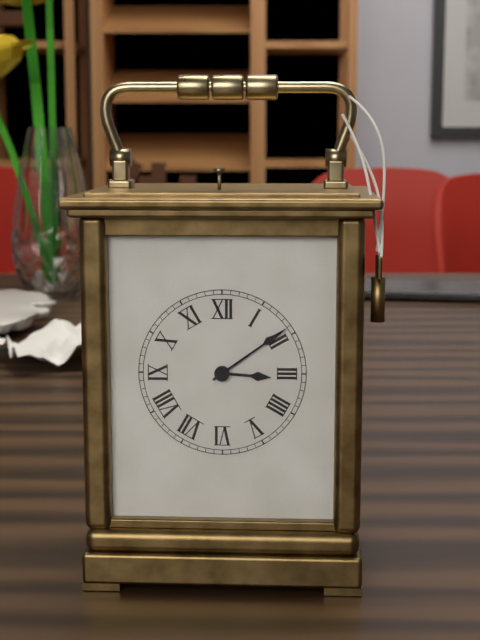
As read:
{"hour": 3, "minute": 9}
